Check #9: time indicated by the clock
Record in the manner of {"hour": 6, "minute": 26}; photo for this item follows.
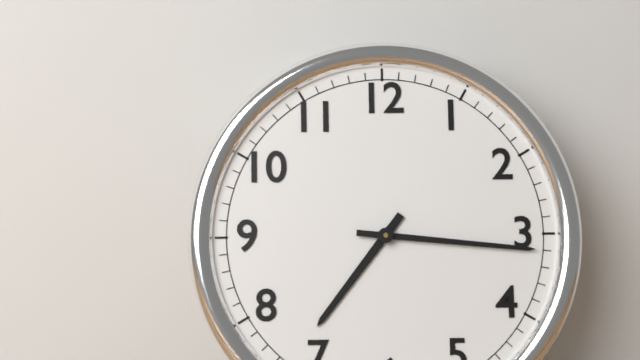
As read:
{"hour": 7, "minute": 16}
